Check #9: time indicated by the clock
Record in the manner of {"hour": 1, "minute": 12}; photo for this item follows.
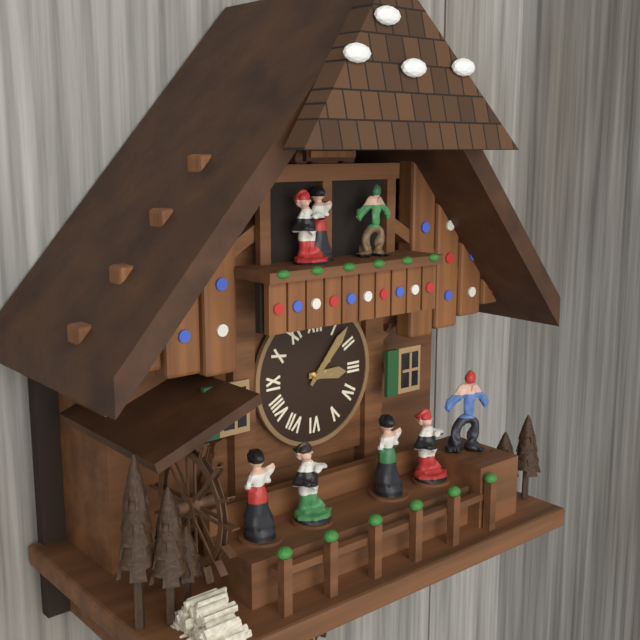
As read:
{"hour": 3, "minute": 7}
